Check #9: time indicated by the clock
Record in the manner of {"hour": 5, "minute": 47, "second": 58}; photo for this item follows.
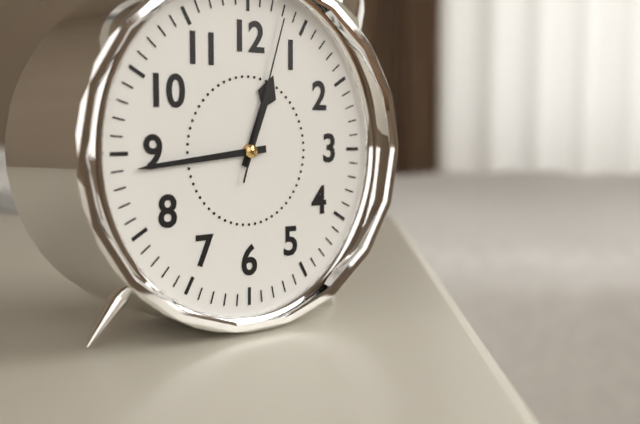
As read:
{"hour": 12, "minute": 44, "second": 3}
